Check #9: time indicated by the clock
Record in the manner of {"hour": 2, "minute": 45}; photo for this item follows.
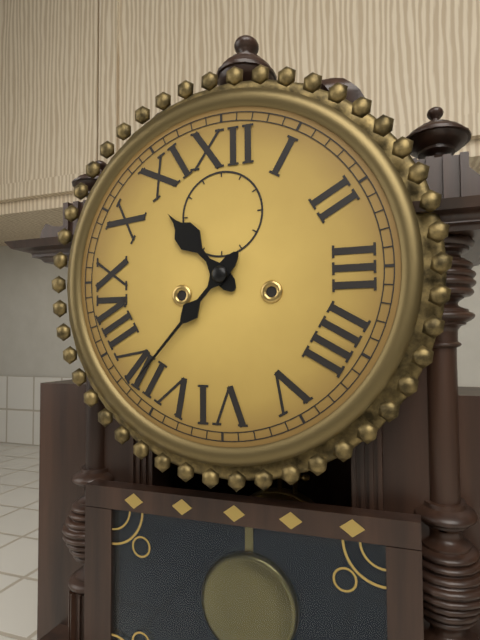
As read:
{"hour": 10, "minute": 37}
